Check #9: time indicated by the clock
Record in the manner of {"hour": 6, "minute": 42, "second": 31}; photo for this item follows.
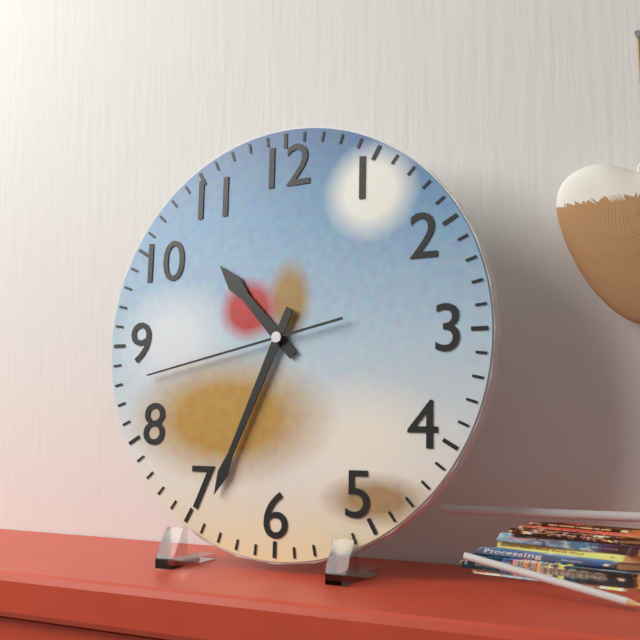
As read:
{"hour": 10, "minute": 34, "second": 43}
